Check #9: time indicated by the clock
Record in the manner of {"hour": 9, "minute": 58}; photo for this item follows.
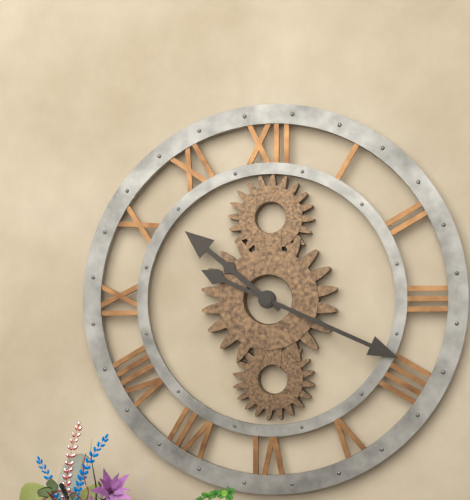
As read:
{"hour": 10, "minute": 19}
